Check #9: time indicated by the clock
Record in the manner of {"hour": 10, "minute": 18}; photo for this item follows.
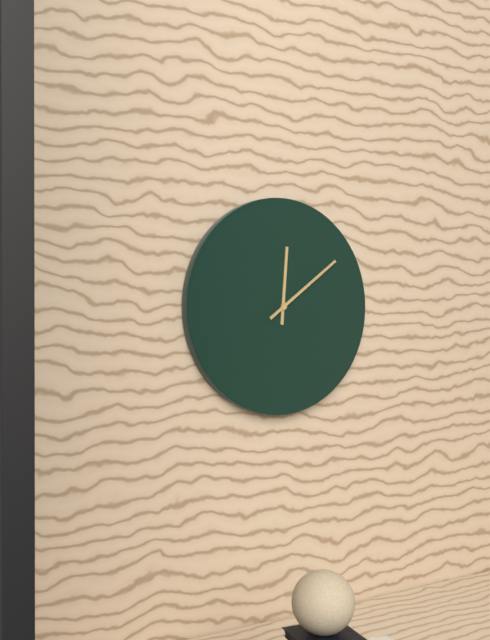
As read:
{"hour": 12, "minute": 9}
